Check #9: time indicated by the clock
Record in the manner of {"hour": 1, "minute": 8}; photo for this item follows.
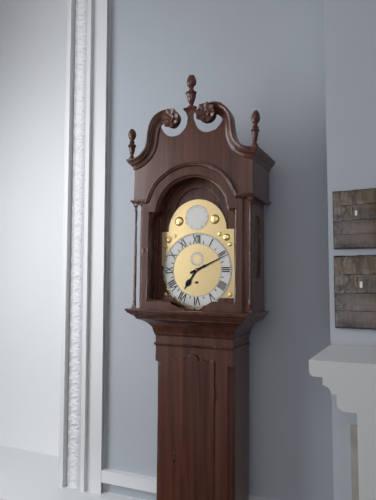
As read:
{"hour": 7, "minute": 11}
